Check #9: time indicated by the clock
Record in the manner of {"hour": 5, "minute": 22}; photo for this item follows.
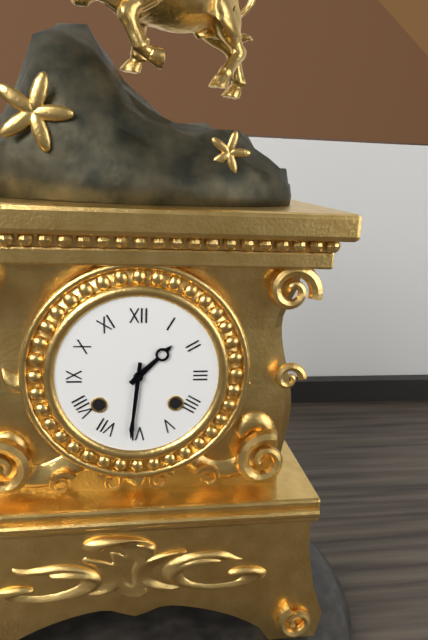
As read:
{"hour": 1, "minute": 31}
